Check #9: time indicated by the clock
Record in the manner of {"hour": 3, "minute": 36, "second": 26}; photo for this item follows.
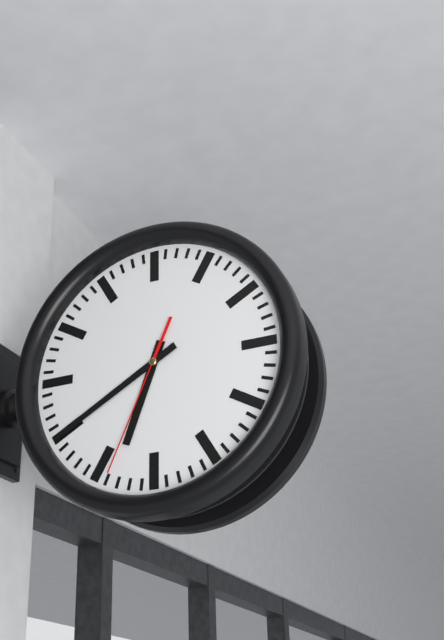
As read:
{"hour": 6, "minute": 40, "second": 34}
